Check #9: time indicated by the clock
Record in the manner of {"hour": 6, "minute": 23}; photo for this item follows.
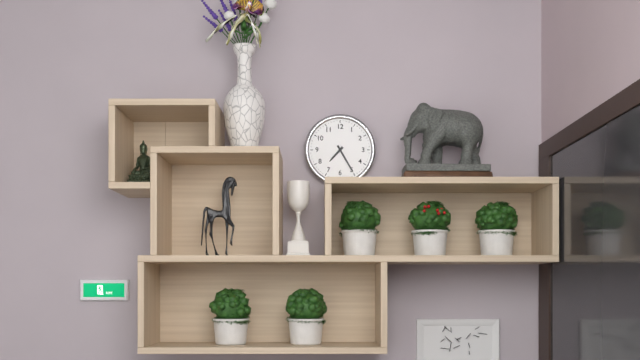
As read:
{"hour": 7, "minute": 25}
